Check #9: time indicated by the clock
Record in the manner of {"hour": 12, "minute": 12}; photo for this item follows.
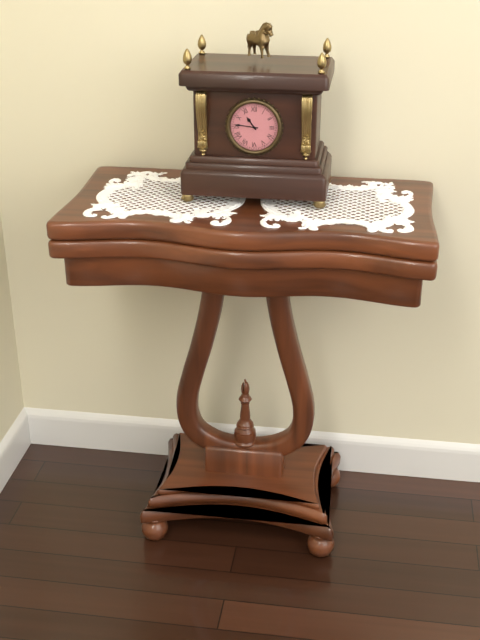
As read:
{"hour": 10, "minute": 46}
